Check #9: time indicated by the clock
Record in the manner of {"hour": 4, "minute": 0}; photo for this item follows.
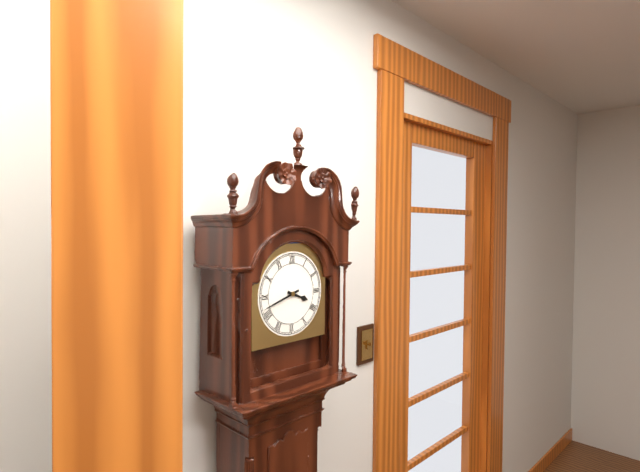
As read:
{"hour": 3, "minute": 42}
